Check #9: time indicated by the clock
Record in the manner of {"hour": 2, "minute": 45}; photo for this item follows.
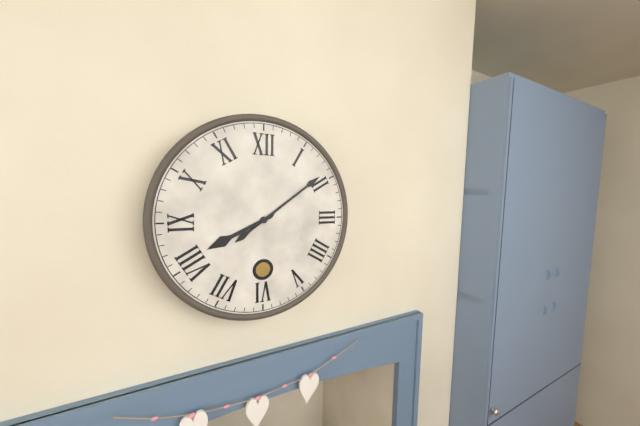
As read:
{"hour": 8, "minute": 9}
